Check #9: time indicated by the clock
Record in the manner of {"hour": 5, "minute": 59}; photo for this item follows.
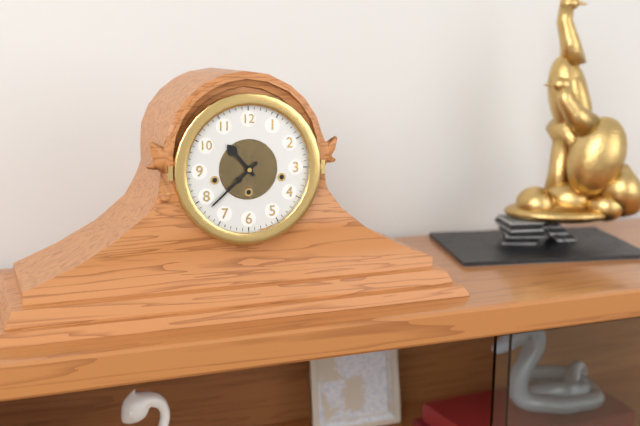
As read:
{"hour": 10, "minute": 38}
